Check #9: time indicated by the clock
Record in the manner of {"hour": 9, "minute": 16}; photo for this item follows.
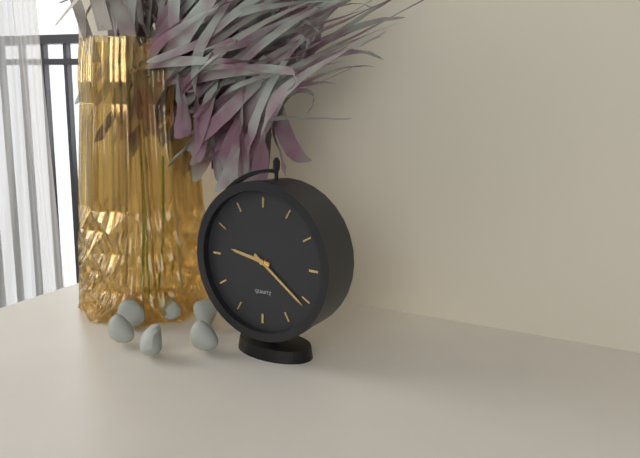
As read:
{"hour": 9, "minute": 21}
